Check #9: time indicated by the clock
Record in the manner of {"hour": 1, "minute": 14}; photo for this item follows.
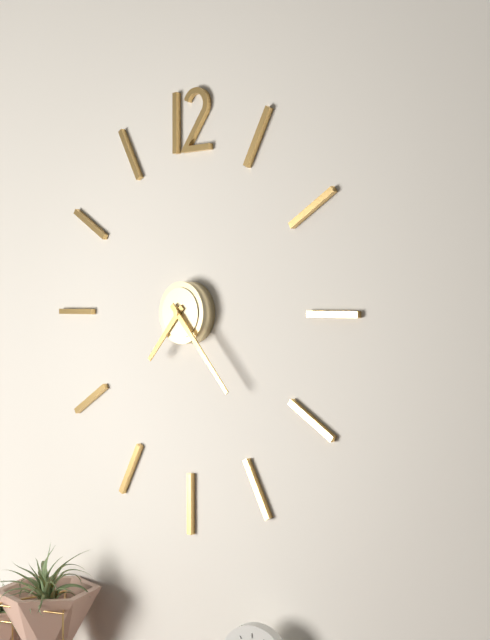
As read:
{"hour": 7, "minute": 23}
